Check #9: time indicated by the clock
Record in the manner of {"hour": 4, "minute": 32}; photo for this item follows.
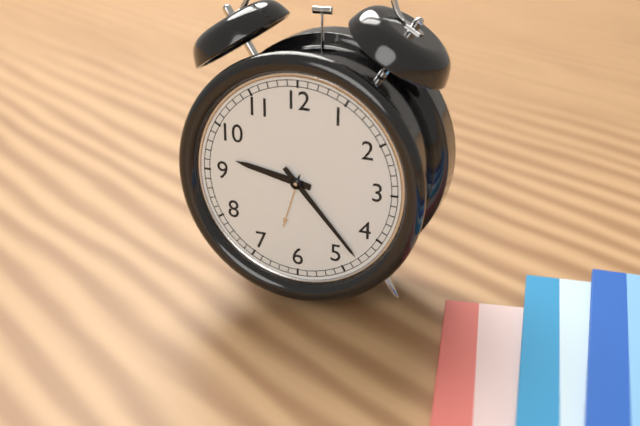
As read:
{"hour": 9, "minute": 23}
